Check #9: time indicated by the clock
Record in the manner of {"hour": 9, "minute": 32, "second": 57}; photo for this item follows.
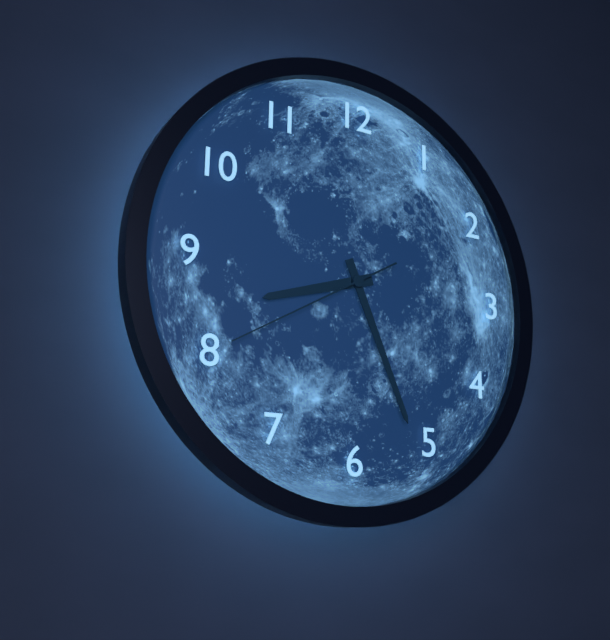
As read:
{"hour": 8, "minute": 26, "second": 40}
